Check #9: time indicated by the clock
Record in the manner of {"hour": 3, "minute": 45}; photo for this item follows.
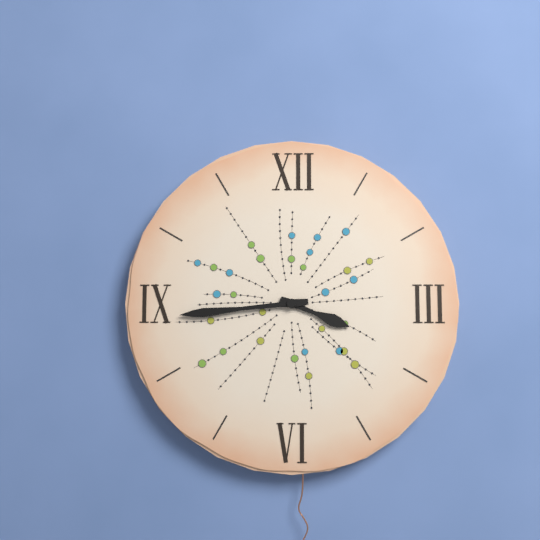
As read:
{"hour": 3, "minute": 44}
